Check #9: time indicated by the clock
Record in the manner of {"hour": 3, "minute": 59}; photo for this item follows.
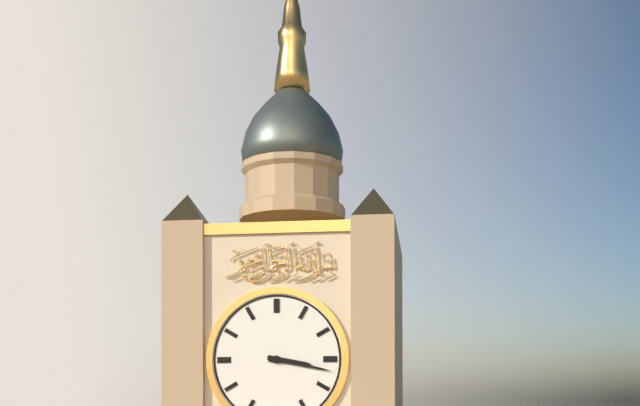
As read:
{"hour": 3, "minute": 17}
